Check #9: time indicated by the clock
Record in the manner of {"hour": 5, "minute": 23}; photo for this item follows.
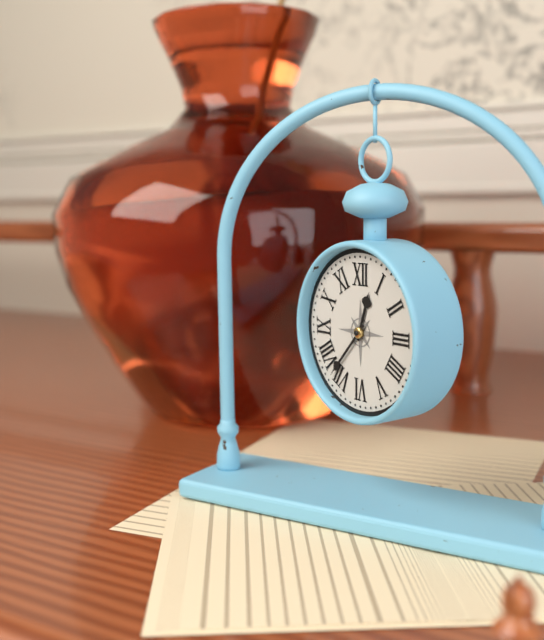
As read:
{"hour": 12, "minute": 37}
